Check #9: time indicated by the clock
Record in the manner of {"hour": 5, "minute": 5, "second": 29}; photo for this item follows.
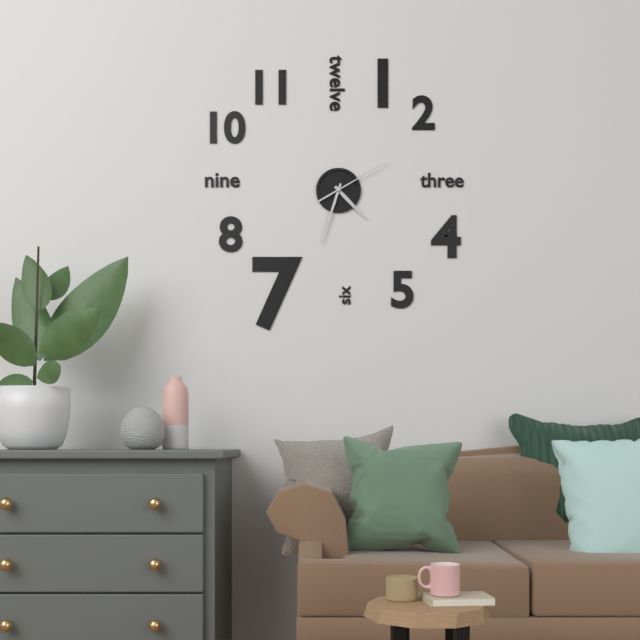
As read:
{"hour": 4, "minute": 33, "second": 10}
